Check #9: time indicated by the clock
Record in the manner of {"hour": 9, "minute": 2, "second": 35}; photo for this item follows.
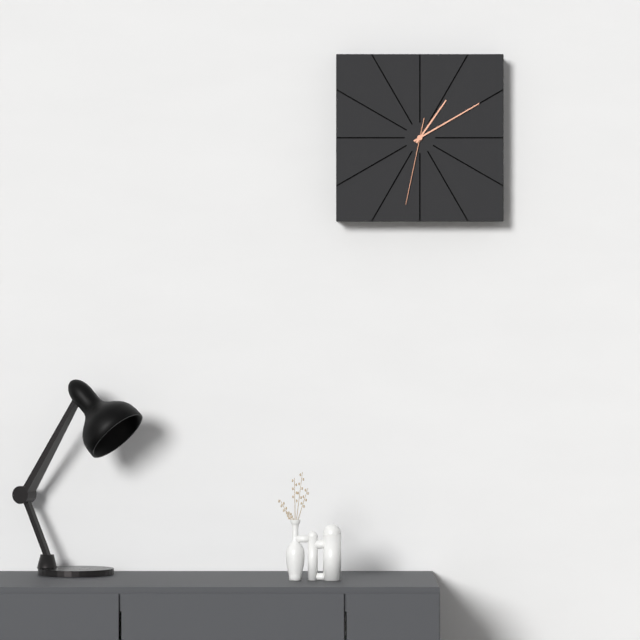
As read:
{"hour": 1, "minute": 10, "second": 32}
